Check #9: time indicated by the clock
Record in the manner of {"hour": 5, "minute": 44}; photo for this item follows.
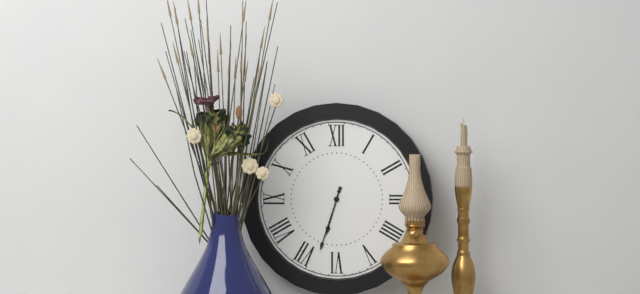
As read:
{"hour": 6, "minute": 33}
